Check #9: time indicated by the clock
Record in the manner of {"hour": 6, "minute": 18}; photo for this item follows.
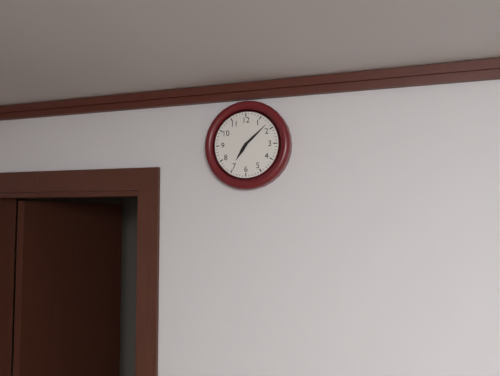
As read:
{"hour": 7, "minute": 8}
